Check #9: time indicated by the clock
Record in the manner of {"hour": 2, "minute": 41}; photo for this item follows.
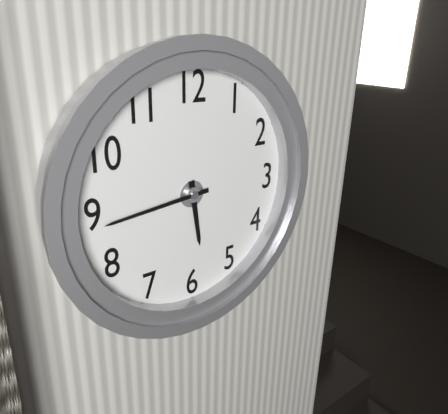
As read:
{"hour": 5, "minute": 44}
